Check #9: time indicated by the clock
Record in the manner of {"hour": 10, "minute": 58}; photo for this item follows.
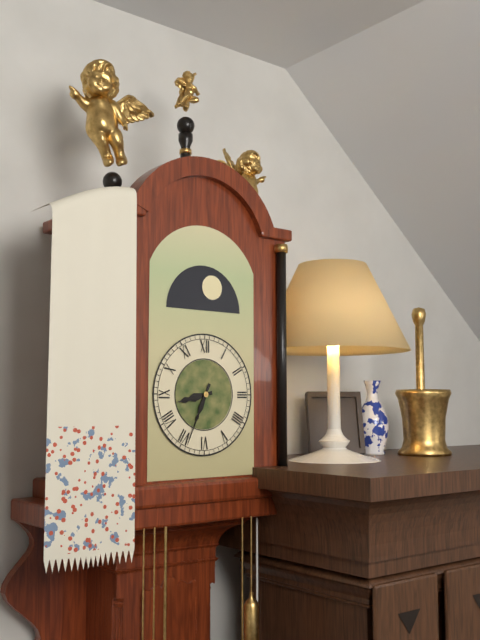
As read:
{"hour": 8, "minute": 34}
